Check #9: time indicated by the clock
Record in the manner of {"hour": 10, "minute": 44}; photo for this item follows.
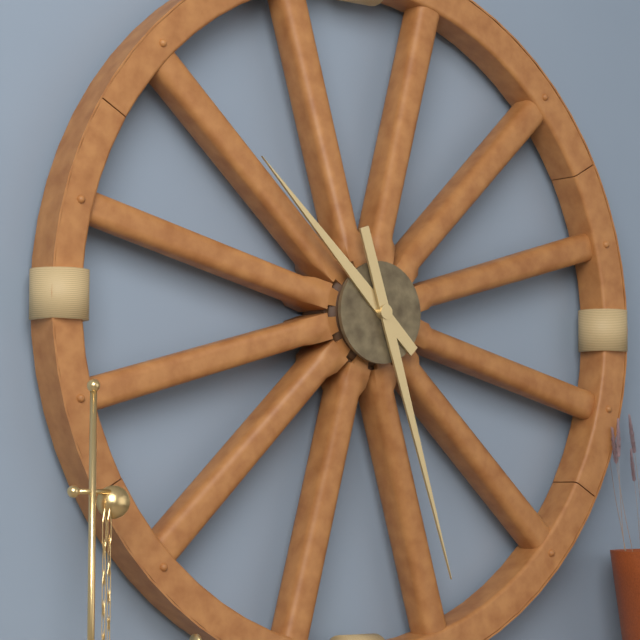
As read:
{"hour": 10, "minute": 27}
